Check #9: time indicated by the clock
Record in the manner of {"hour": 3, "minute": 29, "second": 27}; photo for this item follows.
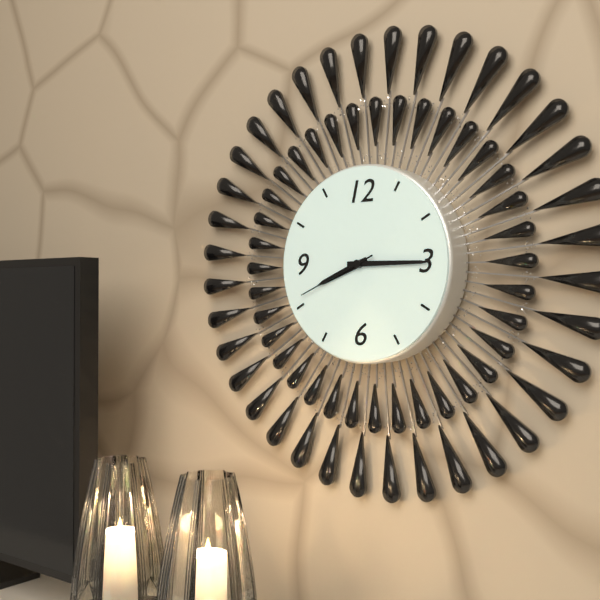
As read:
{"hour": 8, "minute": 15, "second": 41}
